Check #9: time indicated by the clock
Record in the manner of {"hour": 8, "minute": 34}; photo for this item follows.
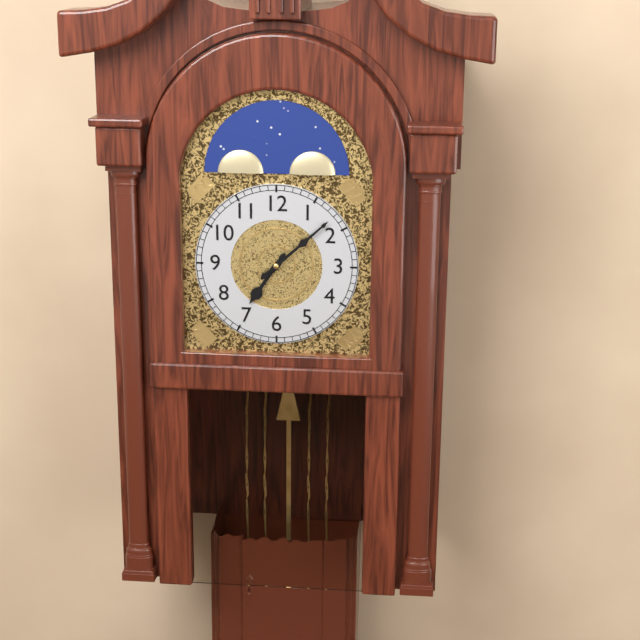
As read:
{"hour": 7, "minute": 8}
